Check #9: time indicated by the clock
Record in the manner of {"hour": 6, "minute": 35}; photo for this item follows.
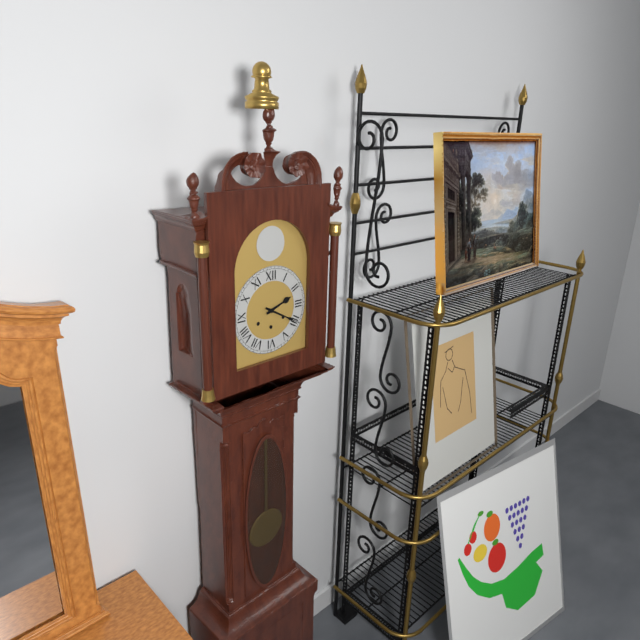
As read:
{"hour": 2, "minute": 20}
